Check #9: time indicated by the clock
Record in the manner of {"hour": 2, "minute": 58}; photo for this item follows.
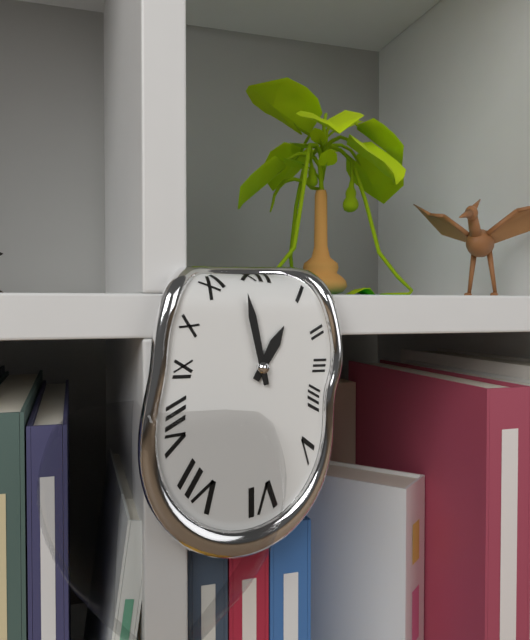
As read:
{"hour": 12, "minute": 58}
